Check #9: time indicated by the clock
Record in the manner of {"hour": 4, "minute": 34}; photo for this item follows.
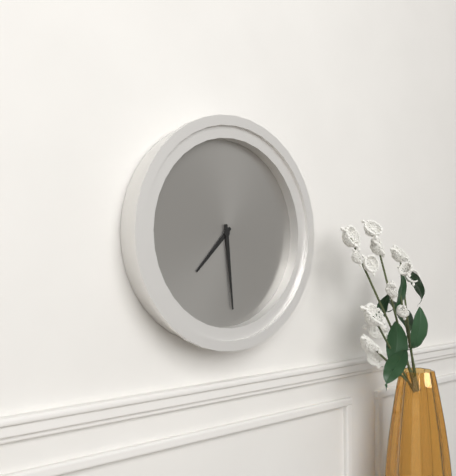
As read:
{"hour": 7, "minute": 29}
